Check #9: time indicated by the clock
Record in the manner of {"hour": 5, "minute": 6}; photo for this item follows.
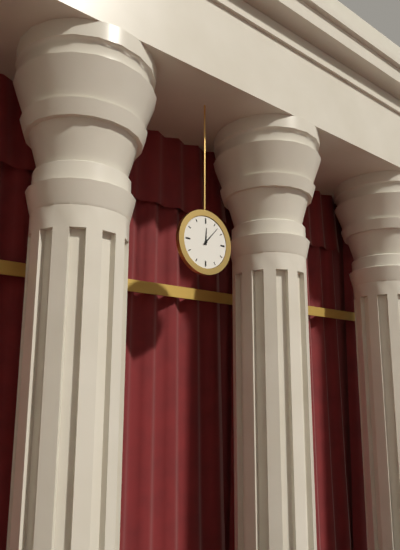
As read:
{"hour": 12, "minute": 7}
